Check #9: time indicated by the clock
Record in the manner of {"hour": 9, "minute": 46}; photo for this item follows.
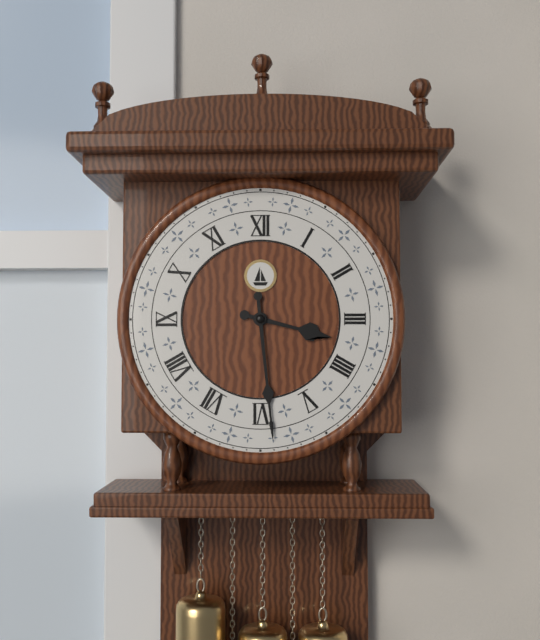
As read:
{"hour": 3, "minute": 29}
